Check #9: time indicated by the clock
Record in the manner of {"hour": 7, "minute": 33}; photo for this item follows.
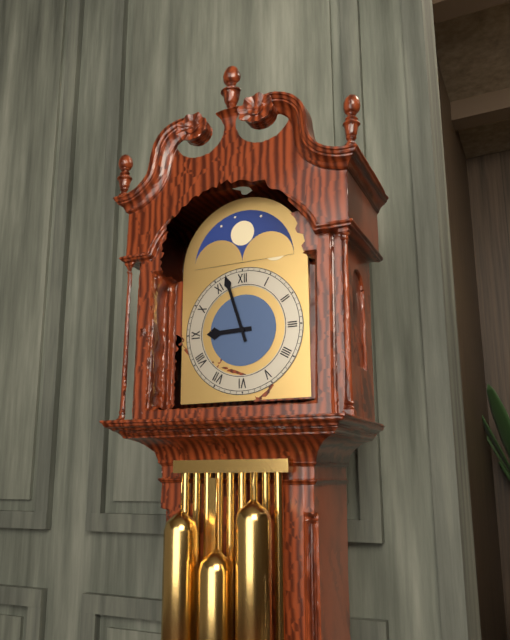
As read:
{"hour": 8, "minute": 57}
